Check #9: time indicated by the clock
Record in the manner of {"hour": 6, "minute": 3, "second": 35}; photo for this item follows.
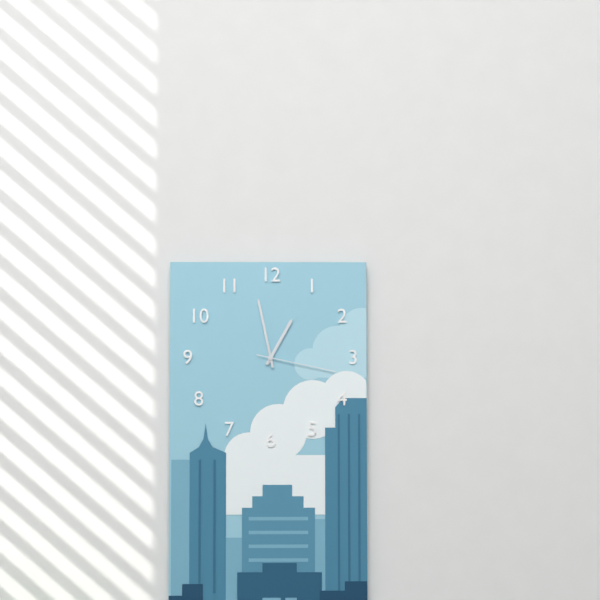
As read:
{"hour": 12, "minute": 58, "second": 17}
